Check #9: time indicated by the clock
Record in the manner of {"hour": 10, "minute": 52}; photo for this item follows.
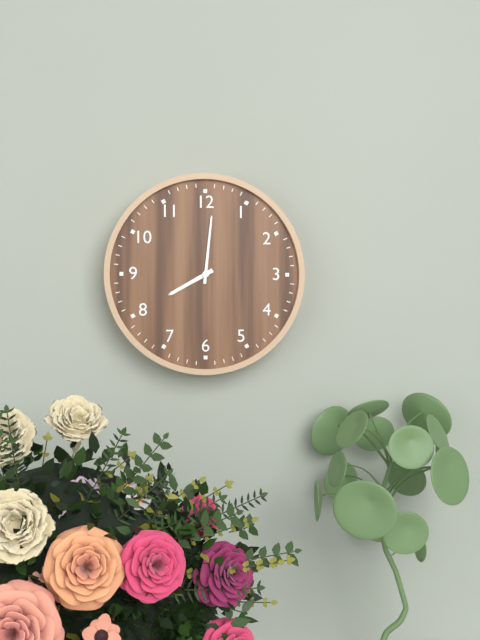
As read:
{"hour": 8, "minute": 1}
